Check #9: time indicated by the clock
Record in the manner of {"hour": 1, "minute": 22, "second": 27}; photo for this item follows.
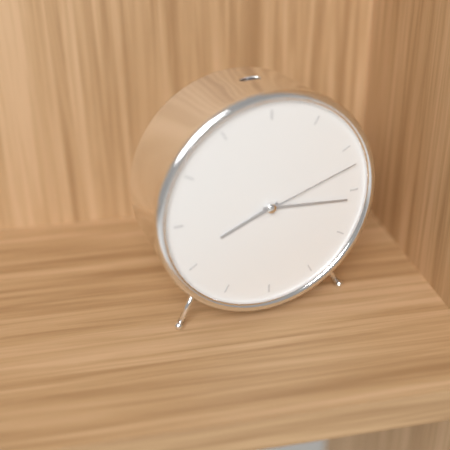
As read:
{"hour": 8, "minute": 16, "second": 12}
